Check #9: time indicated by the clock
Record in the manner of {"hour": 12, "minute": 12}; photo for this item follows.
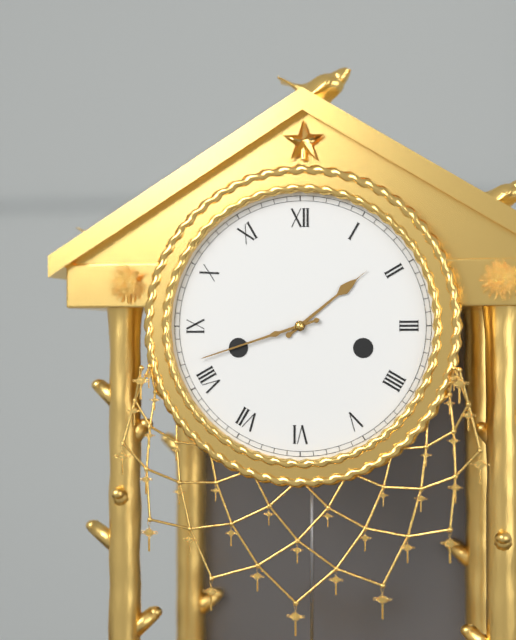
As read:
{"hour": 1, "minute": 42}
